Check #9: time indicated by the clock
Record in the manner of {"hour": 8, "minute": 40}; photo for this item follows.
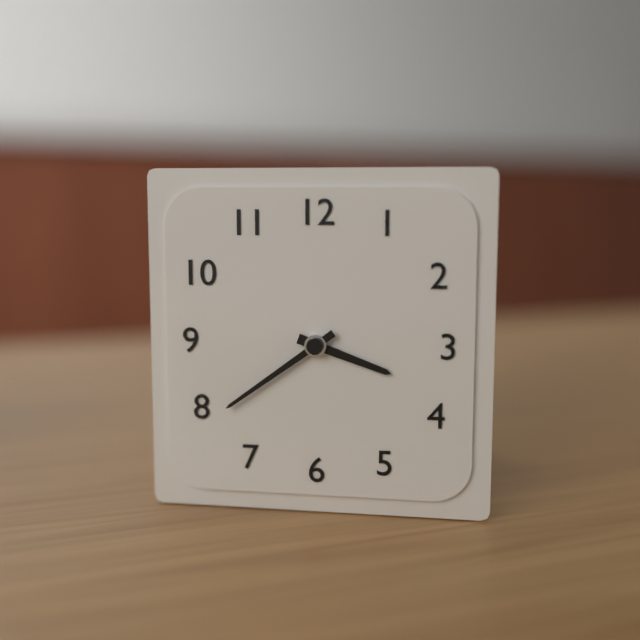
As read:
{"hour": 3, "minute": 39}
